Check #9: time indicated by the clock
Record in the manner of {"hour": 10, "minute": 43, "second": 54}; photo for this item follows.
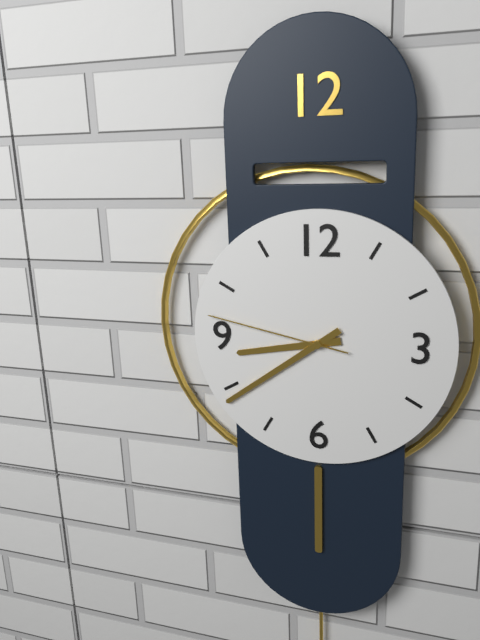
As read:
{"hour": 8, "minute": 39, "second": 47}
